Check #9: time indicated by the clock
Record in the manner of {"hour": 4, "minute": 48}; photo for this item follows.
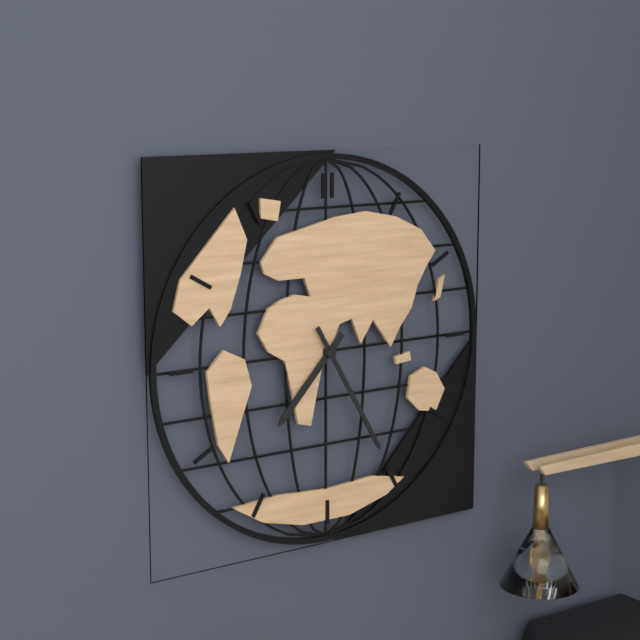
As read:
{"hour": 7, "minute": 25}
